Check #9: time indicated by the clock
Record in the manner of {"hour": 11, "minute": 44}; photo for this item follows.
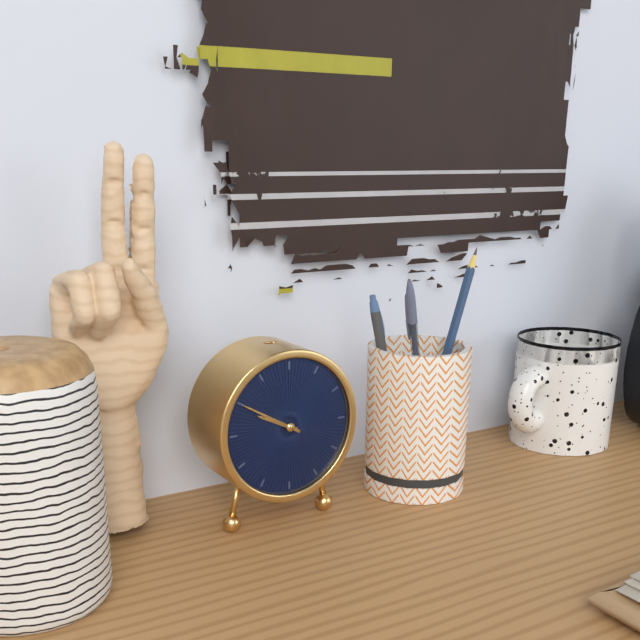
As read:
{"hour": 9, "minute": 50}
